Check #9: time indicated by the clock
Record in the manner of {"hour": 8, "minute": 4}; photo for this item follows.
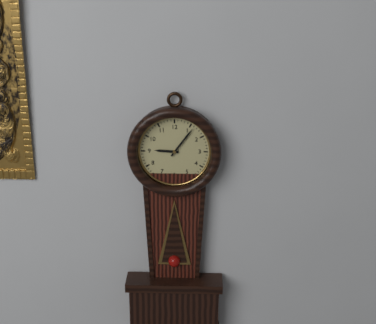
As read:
{"hour": 9, "minute": 6}
